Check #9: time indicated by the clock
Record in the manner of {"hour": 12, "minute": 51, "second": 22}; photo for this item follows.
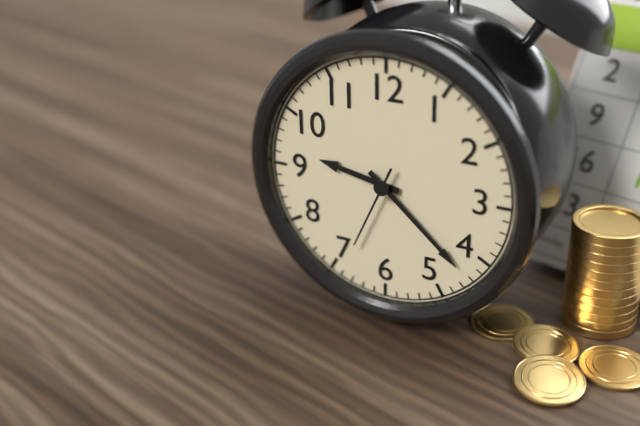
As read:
{"hour": 9, "minute": 22, "second": 34}
